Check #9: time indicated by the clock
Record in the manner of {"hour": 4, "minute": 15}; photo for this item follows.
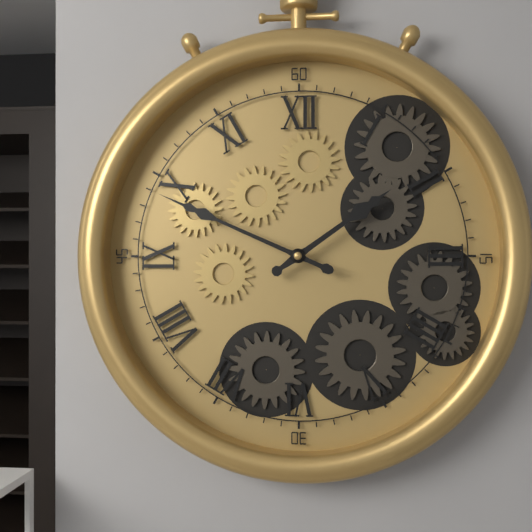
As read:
{"hour": 1, "minute": 49}
